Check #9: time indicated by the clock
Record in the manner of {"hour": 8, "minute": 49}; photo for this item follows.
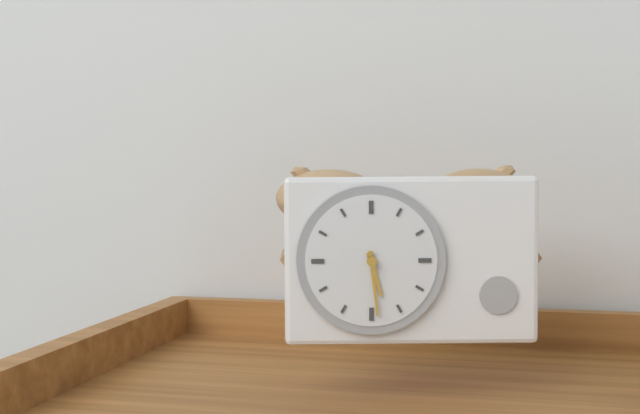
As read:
{"hour": 5, "minute": 29}
